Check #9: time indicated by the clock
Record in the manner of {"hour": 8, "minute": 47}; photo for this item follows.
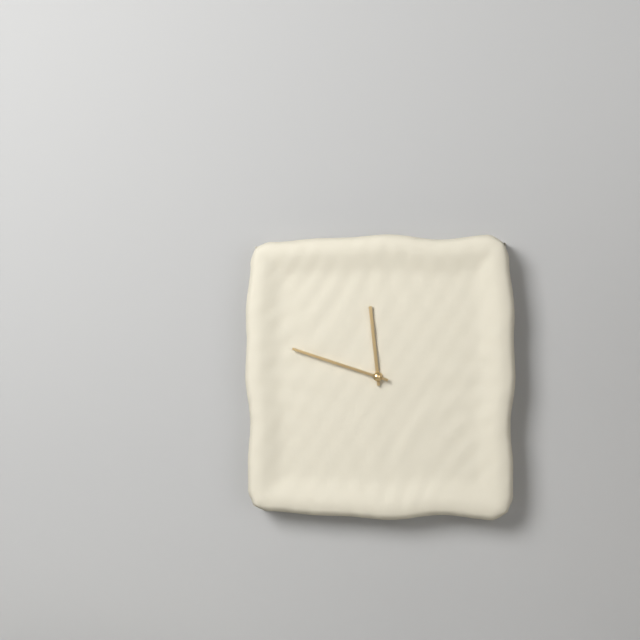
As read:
{"hour": 11, "minute": 48}
